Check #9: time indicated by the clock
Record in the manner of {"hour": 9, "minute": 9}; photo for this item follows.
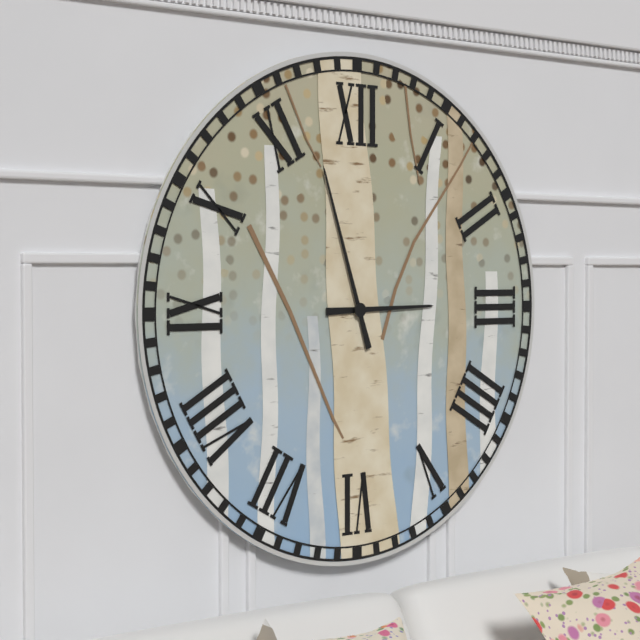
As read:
{"hour": 2, "minute": 57}
